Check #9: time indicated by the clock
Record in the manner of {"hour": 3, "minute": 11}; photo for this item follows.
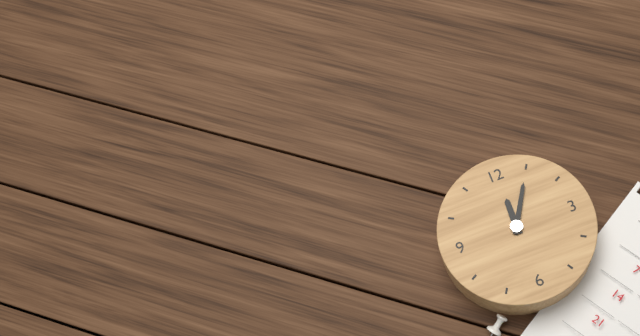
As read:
{"hour": 12, "minute": 5}
